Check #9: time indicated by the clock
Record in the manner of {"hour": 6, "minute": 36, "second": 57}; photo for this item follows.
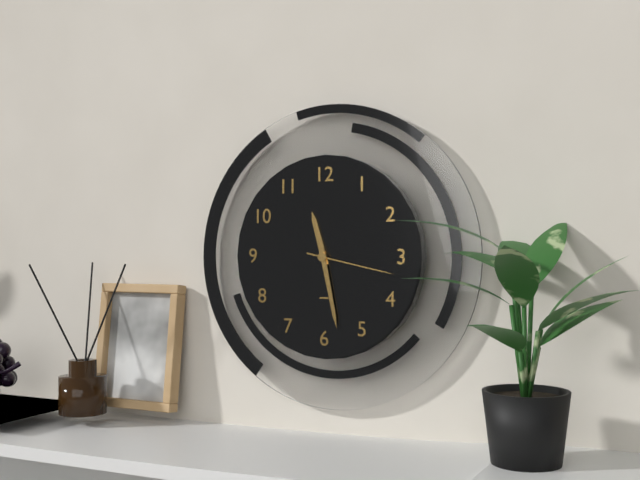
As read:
{"hour": 11, "minute": 28, "second": 17}
